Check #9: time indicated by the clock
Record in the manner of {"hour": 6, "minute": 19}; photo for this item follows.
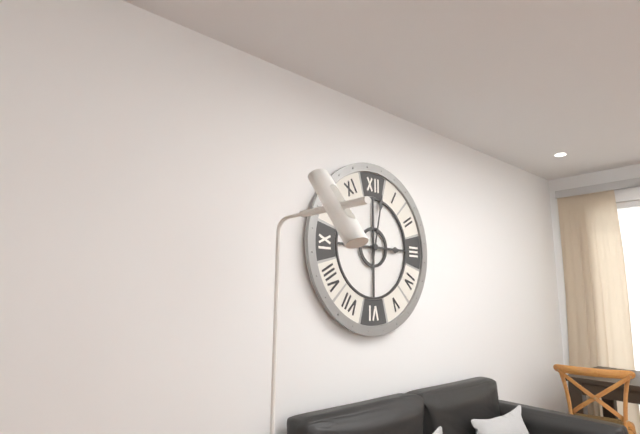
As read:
{"hour": 3, "minute": 2}
